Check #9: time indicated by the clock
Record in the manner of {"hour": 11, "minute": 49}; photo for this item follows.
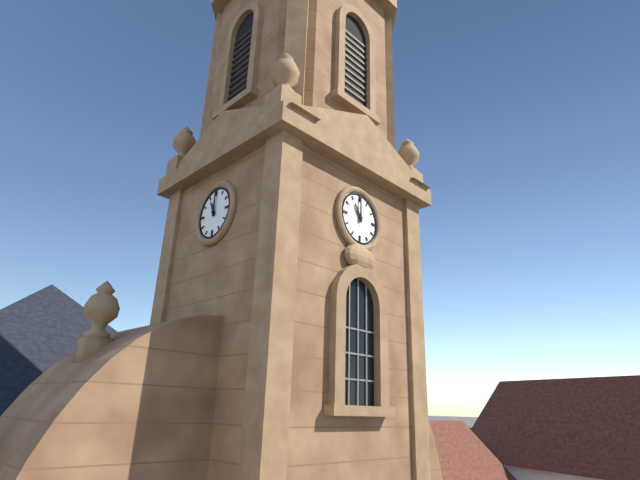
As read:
{"hour": 11, "minute": 0}
